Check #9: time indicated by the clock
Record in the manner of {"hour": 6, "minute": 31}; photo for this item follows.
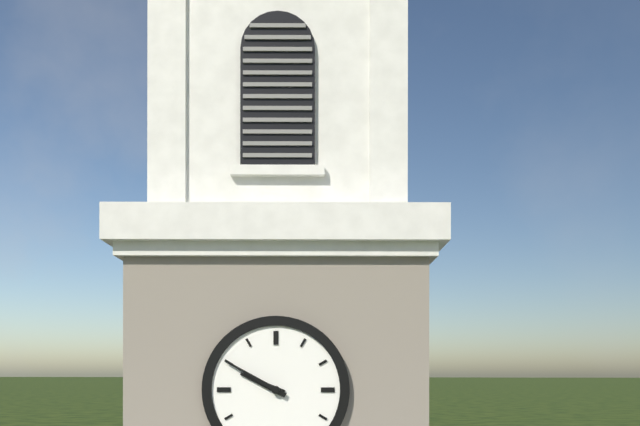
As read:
{"hour": 9, "minute": 50}
